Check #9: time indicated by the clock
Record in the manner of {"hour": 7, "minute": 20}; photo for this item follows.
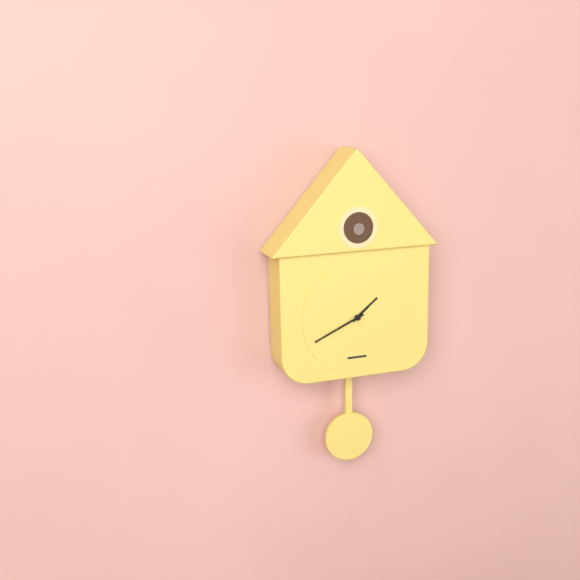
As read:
{"hour": 1, "minute": 41}
